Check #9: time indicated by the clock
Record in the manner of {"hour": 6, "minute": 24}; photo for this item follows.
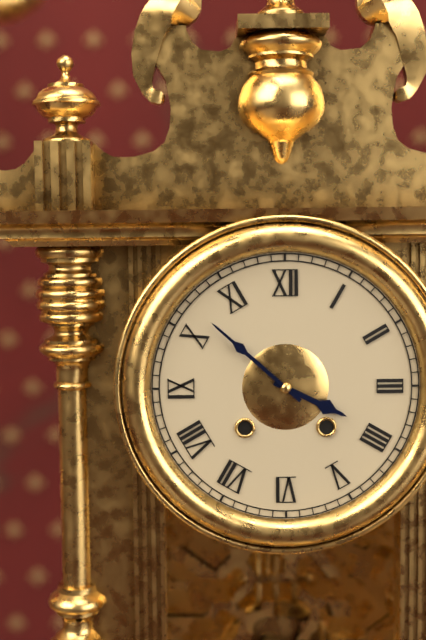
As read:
{"hour": 3, "minute": 52}
